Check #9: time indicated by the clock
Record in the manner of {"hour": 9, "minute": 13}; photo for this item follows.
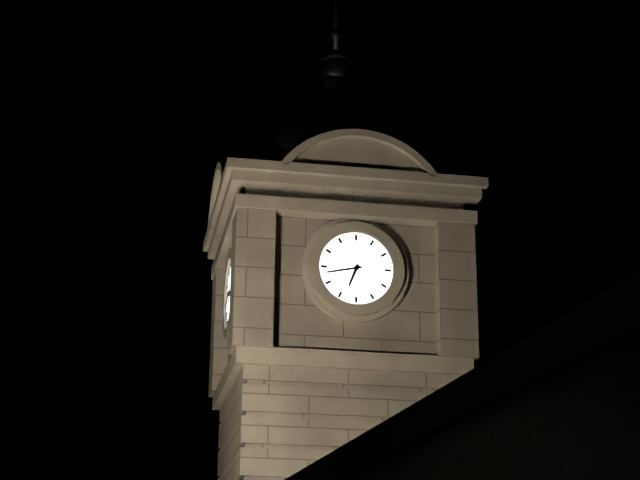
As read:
{"hour": 6, "minute": 43}
